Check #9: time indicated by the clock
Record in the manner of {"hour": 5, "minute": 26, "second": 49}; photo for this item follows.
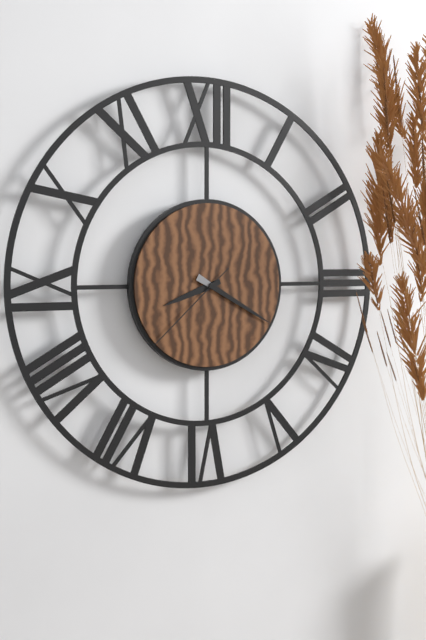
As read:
{"hour": 8, "minute": 20, "second": 38}
